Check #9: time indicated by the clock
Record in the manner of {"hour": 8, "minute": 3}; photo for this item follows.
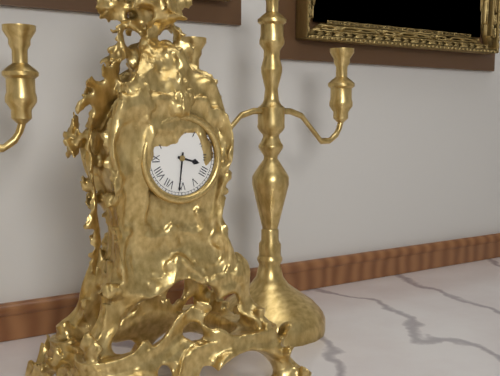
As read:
{"hour": 3, "minute": 31}
